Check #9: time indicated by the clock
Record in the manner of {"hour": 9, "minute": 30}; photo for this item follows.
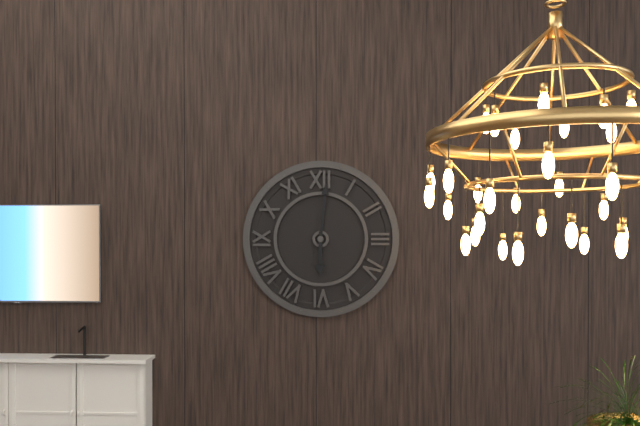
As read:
{"hour": 6, "minute": 1}
